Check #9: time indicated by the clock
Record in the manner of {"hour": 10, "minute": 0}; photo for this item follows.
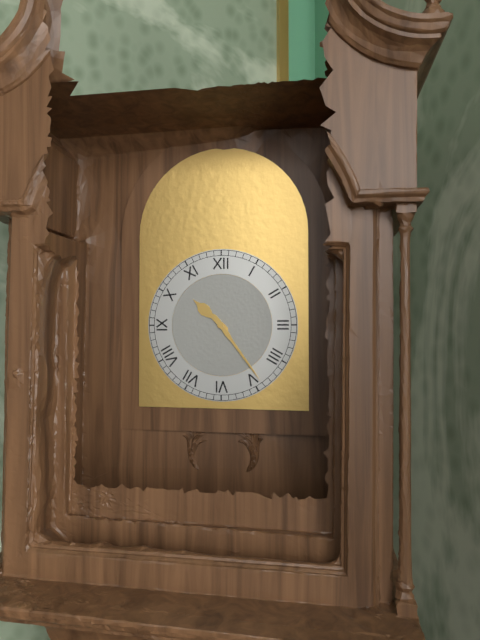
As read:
{"hour": 10, "minute": 24}
